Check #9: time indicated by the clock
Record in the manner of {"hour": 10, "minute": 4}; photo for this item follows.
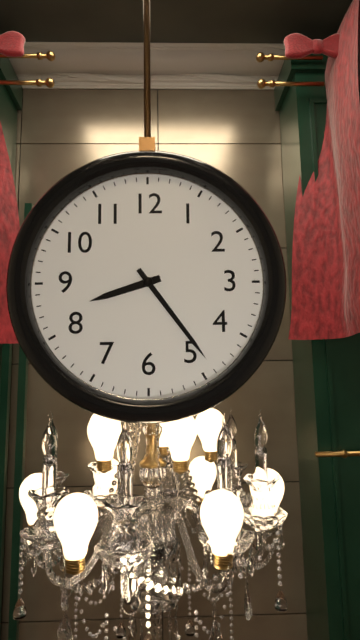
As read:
{"hour": 8, "minute": 24}
